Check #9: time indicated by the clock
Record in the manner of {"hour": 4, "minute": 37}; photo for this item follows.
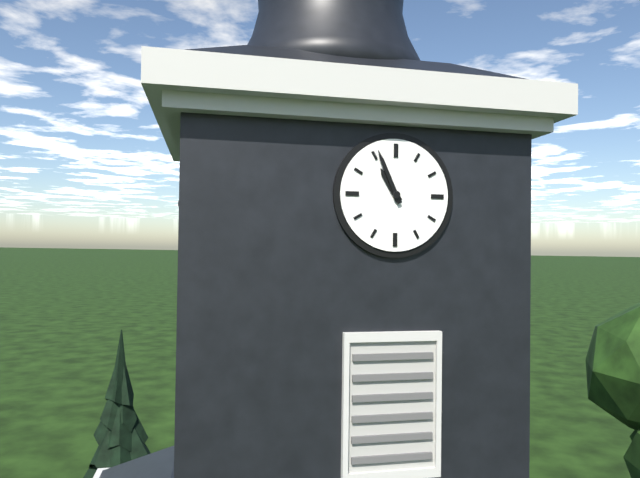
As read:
{"hour": 10, "minute": 56}
